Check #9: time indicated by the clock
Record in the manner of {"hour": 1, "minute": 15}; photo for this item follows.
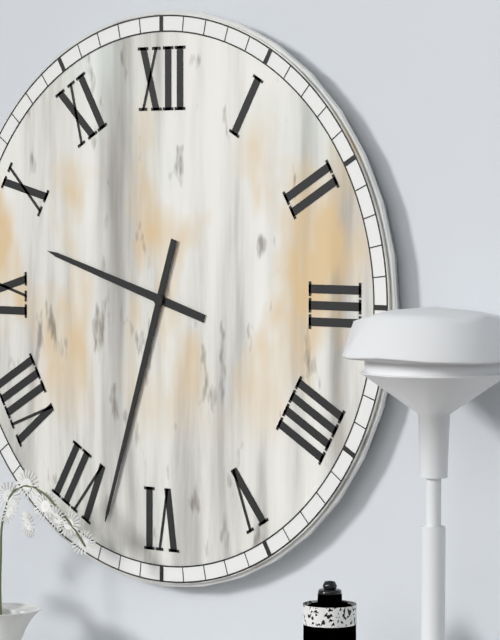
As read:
{"hour": 9, "minute": 33}
